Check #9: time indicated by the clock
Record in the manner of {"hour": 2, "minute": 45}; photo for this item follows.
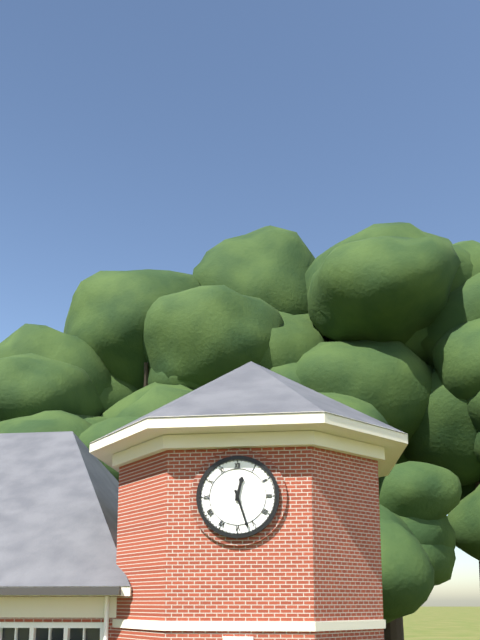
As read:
{"hour": 12, "minute": 27}
